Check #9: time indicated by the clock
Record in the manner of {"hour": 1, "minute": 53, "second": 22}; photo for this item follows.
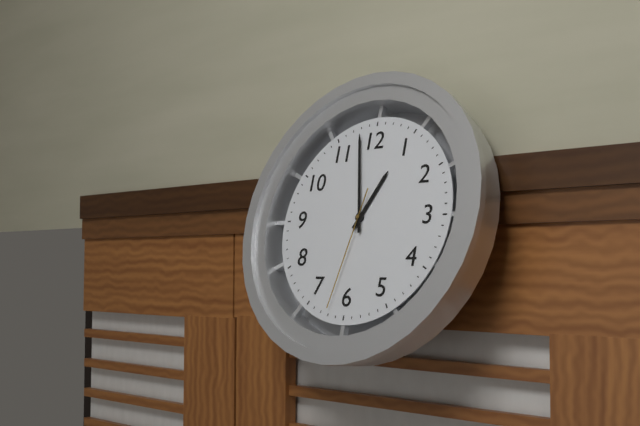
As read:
{"hour": 12, "minute": 58, "second": 32}
